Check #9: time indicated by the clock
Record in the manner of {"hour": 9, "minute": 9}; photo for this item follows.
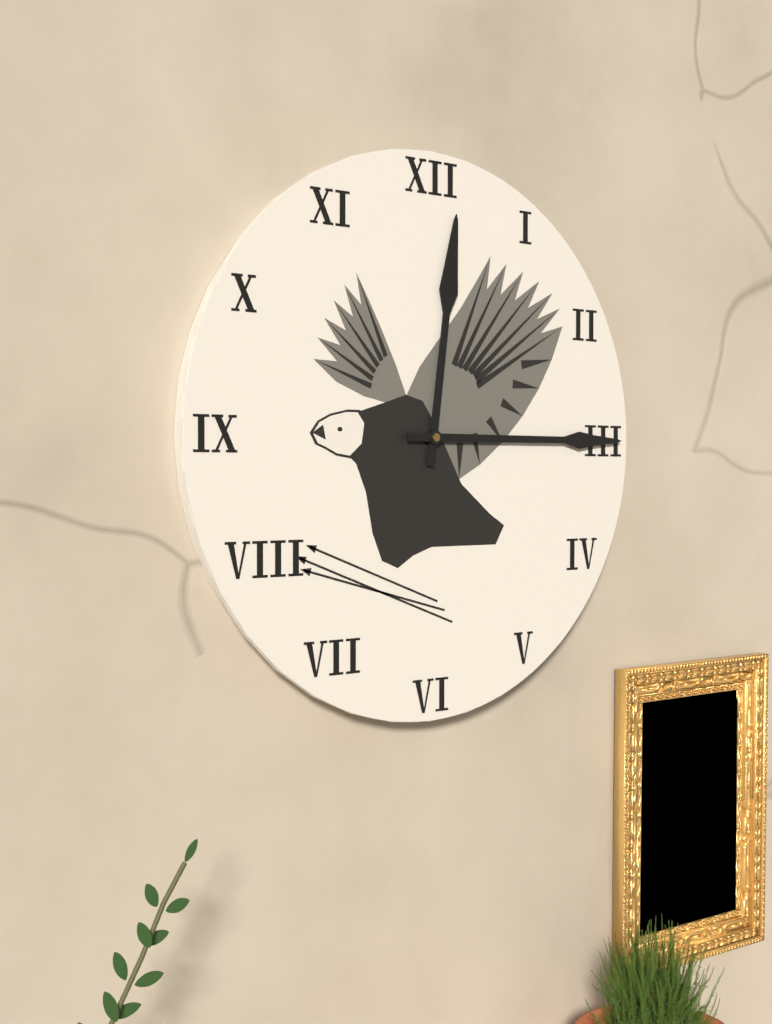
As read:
{"hour": 12, "minute": 15}
